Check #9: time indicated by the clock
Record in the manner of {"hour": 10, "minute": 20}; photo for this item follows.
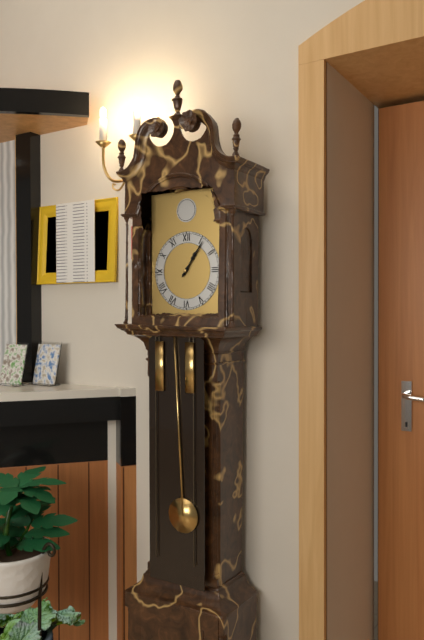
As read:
{"hour": 1, "minute": 6}
